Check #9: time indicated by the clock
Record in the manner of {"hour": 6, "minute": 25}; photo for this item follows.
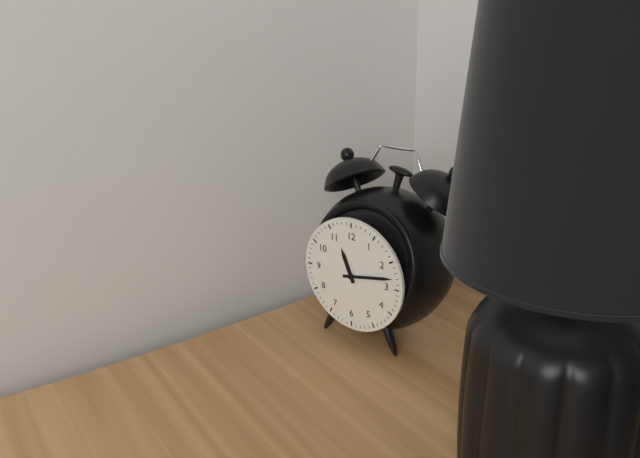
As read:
{"hour": 11, "minute": 13}
